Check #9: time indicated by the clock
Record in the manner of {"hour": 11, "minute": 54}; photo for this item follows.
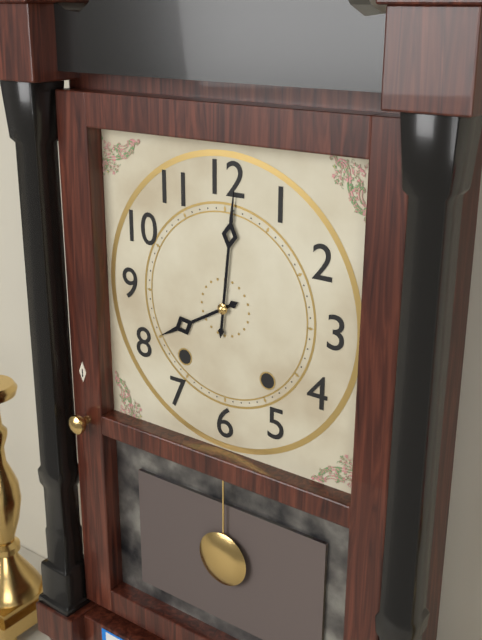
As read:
{"hour": 8, "minute": 1}
